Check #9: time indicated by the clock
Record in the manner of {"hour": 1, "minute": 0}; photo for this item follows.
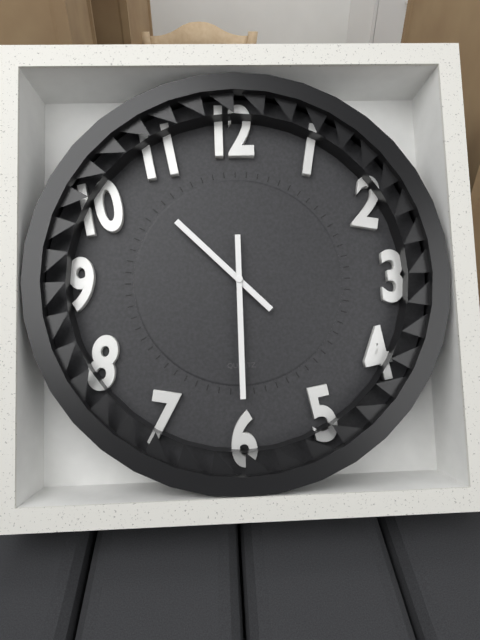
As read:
{"hour": 10, "minute": 30}
